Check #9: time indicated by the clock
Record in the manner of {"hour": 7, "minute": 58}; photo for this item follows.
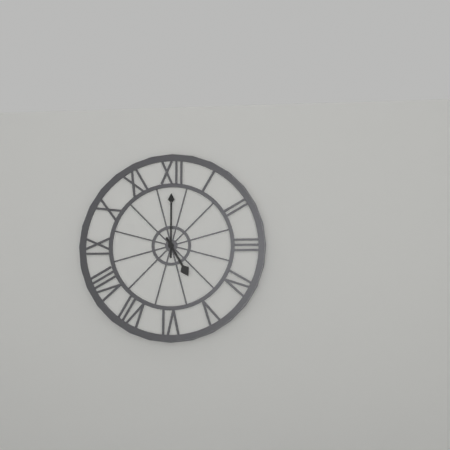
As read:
{"hour": 5, "minute": 0}
